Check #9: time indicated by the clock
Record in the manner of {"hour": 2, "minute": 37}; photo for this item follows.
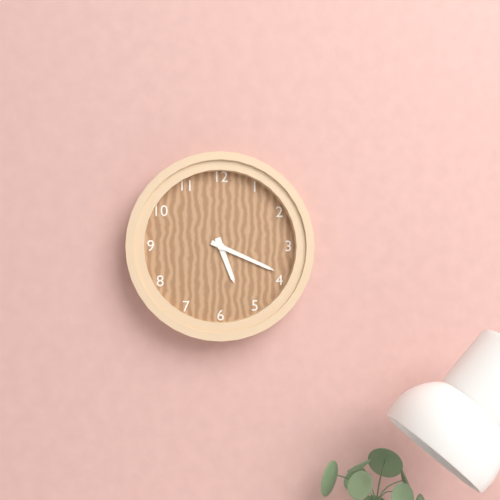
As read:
{"hour": 5, "minute": 19}
